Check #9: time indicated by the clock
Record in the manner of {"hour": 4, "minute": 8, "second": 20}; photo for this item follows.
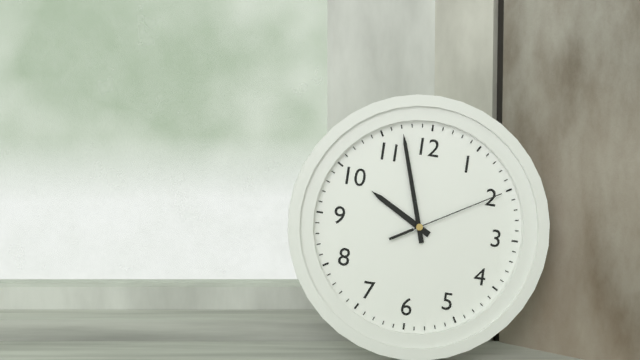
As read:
{"hour": 9, "minute": 57, "second": 10}
